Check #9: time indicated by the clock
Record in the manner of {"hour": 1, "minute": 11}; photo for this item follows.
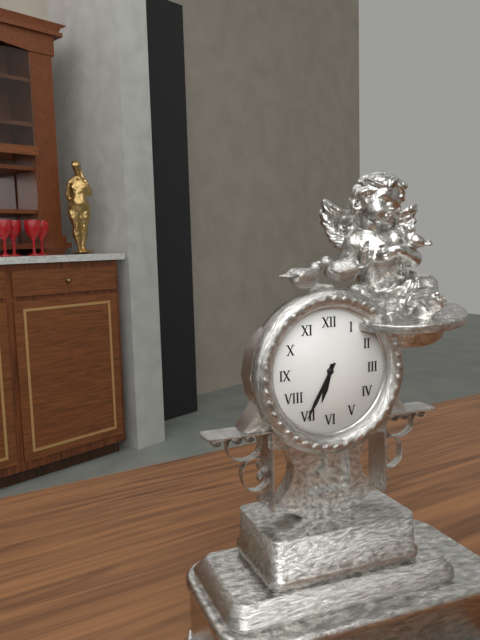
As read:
{"hour": 6, "minute": 35}
